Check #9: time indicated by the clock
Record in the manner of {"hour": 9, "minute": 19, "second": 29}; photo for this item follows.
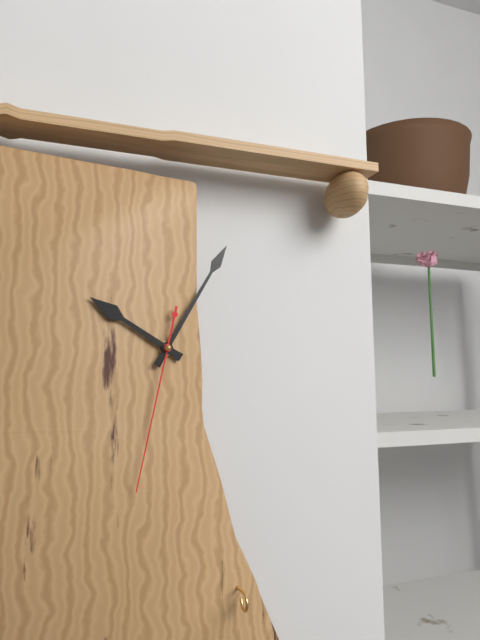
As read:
{"hour": 10, "minute": 5, "second": 32}
